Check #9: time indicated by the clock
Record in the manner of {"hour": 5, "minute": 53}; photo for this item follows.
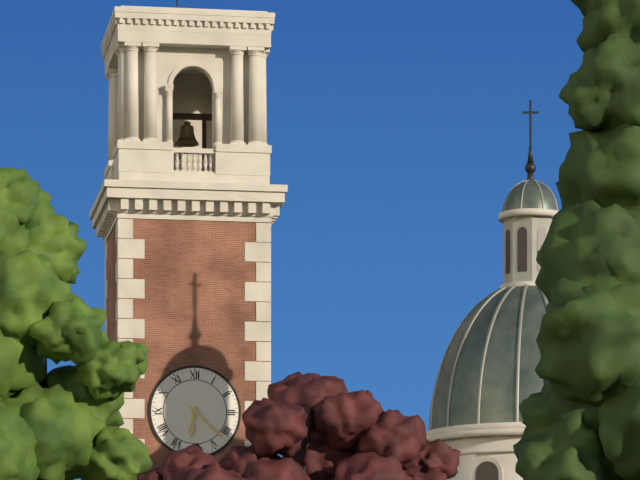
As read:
{"hour": 6, "minute": 22}
